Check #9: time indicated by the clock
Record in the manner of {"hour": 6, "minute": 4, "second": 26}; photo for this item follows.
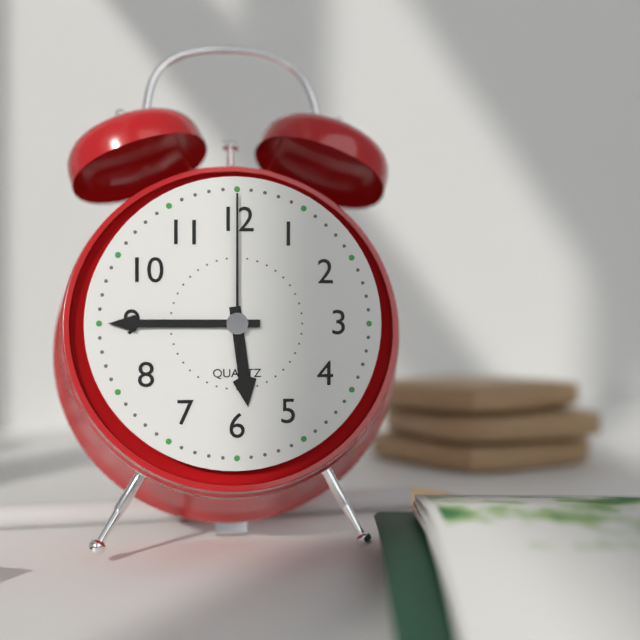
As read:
{"hour": 5, "minute": 45, "second": 0}
